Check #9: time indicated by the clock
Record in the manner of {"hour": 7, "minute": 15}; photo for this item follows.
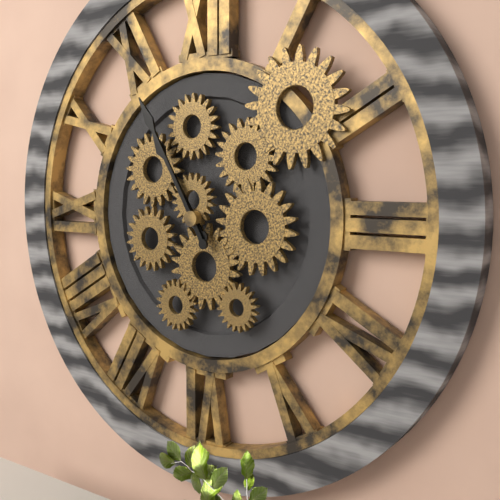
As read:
{"hour": 10, "minute": 55}
